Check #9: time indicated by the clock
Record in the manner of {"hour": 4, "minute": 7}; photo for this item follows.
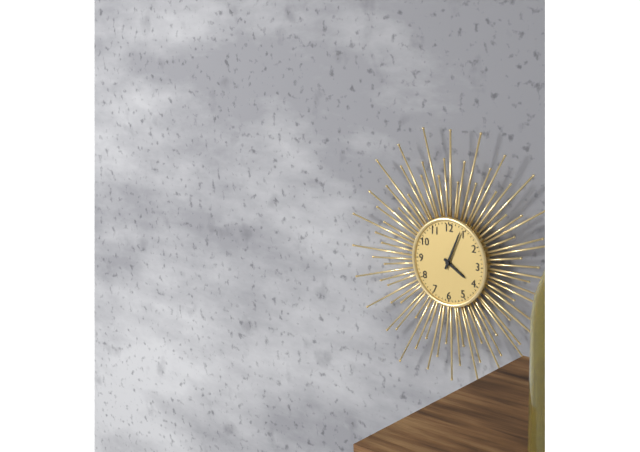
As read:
{"hour": 4, "minute": 4}
